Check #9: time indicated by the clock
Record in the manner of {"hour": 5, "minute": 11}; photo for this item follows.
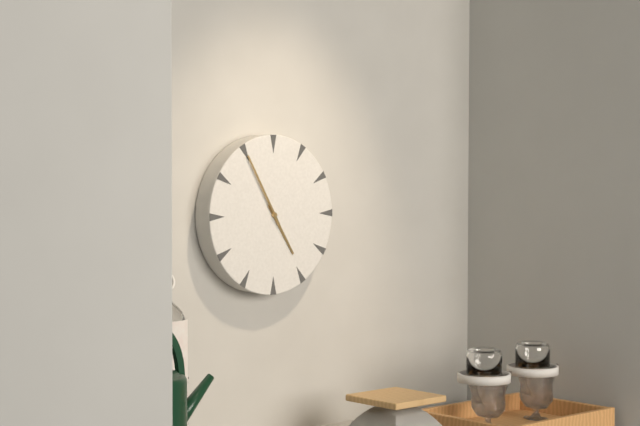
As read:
{"hour": 4, "minute": 55}
